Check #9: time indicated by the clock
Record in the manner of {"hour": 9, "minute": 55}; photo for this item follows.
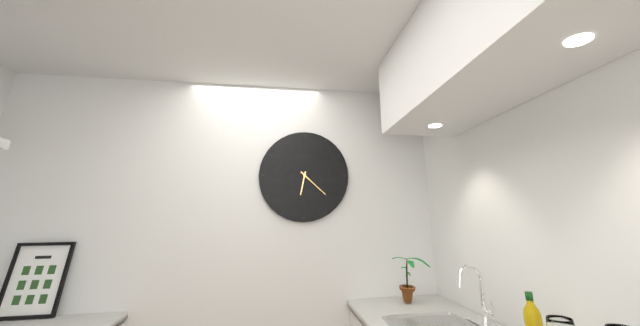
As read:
{"hour": 6, "minute": 22}
